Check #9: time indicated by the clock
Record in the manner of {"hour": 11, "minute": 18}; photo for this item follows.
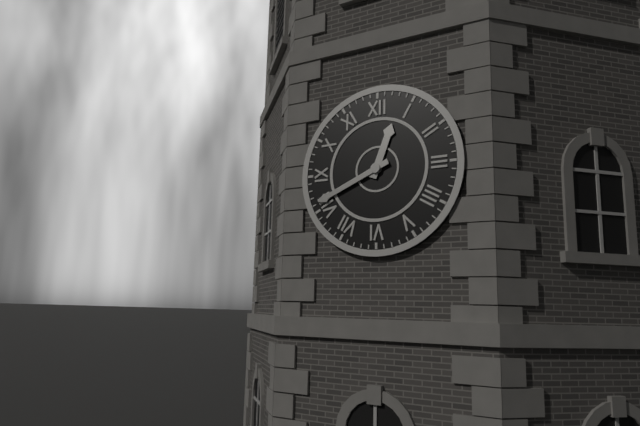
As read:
{"hour": 12, "minute": 41}
